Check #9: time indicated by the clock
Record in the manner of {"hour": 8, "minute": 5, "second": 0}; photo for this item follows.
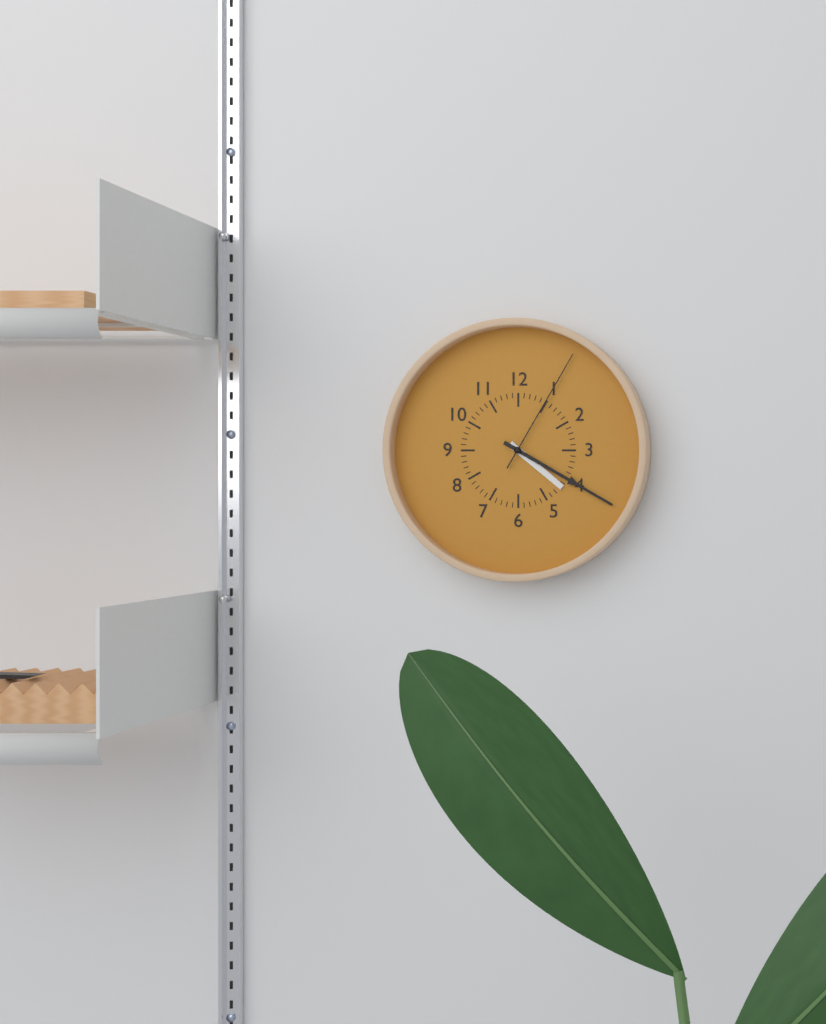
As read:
{"hour": 4, "minute": 20, "second": 5}
